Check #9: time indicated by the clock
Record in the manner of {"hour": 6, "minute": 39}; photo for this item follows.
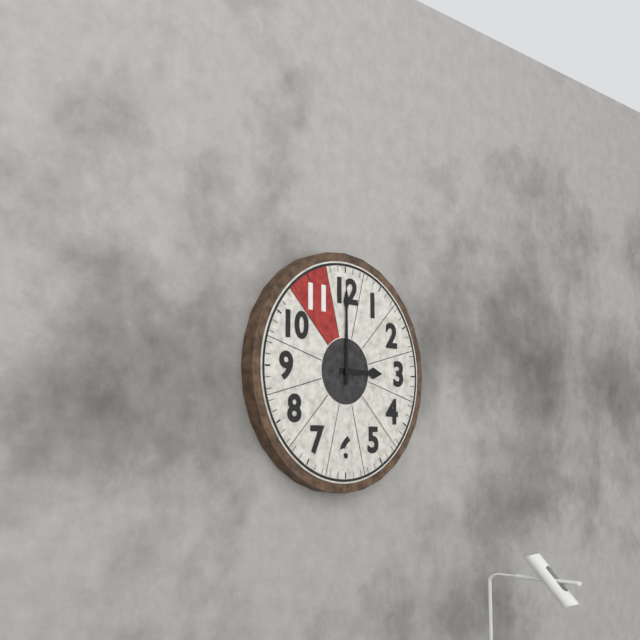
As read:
{"hour": 3, "minute": 0}
